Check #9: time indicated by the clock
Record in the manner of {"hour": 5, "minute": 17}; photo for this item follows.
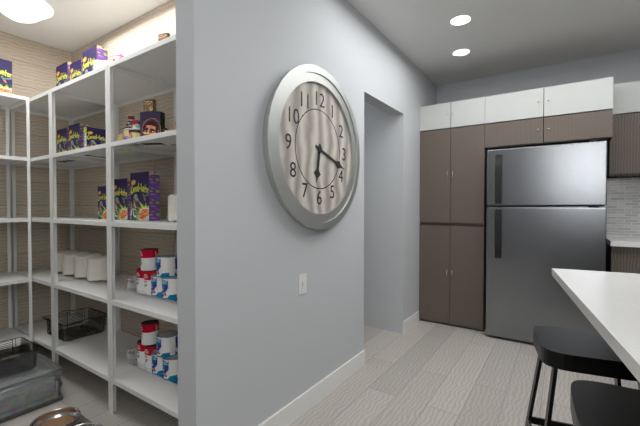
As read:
{"hour": 6, "minute": 18}
